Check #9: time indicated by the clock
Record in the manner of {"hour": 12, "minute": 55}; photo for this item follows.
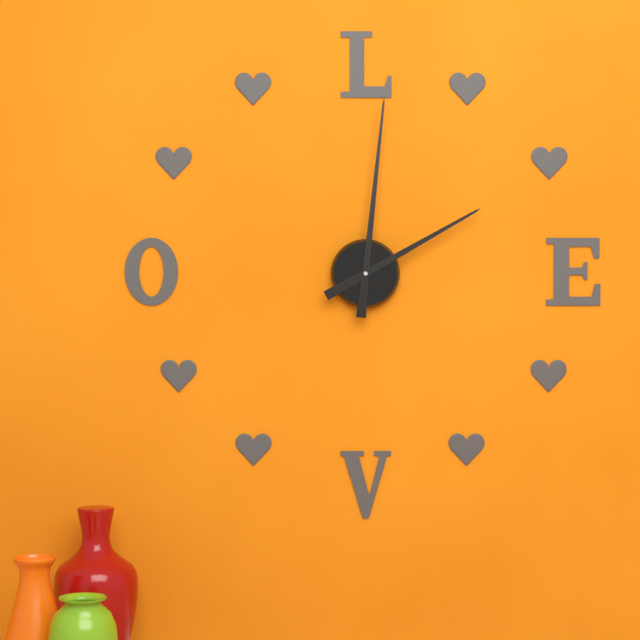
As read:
{"hour": 2, "minute": 1}
